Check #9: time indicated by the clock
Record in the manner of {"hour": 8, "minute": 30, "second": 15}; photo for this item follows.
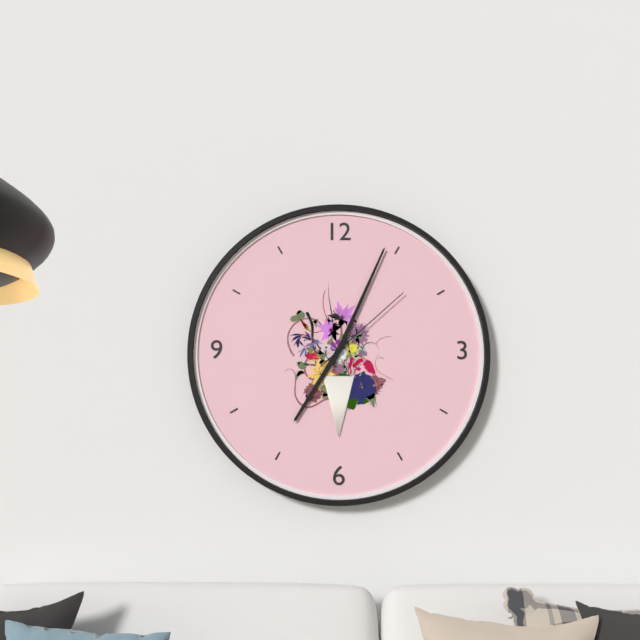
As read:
{"hour": 7, "minute": 4, "second": 8}
